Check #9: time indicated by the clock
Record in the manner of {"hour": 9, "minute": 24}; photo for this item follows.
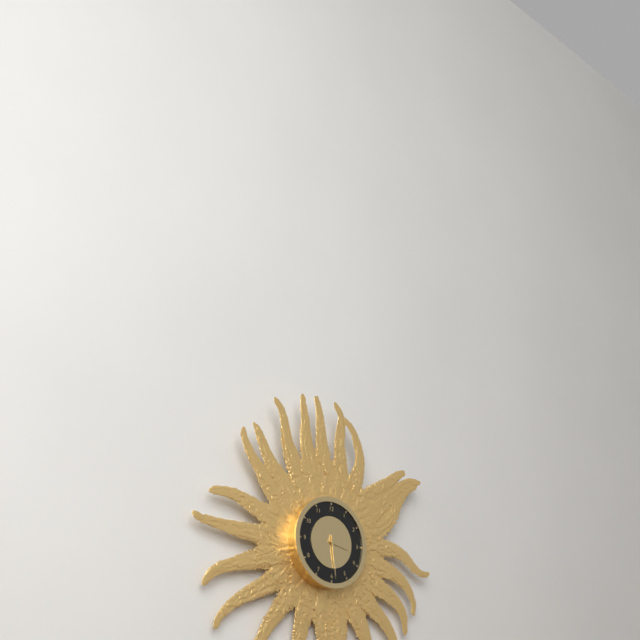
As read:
{"hour": 3, "minute": 29}
